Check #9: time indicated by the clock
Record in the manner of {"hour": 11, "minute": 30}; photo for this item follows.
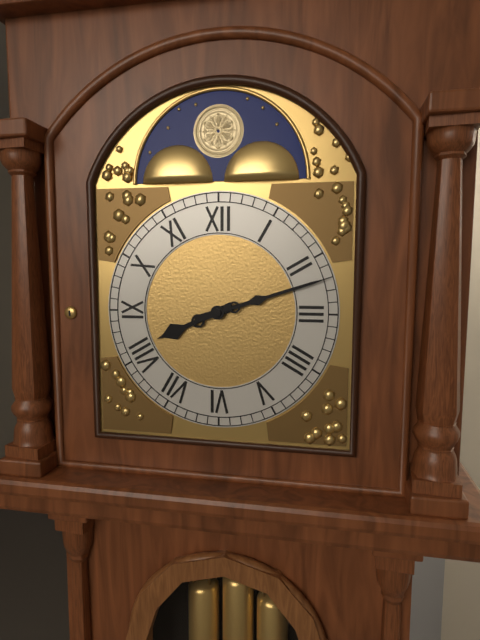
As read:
{"hour": 8, "minute": 12}
